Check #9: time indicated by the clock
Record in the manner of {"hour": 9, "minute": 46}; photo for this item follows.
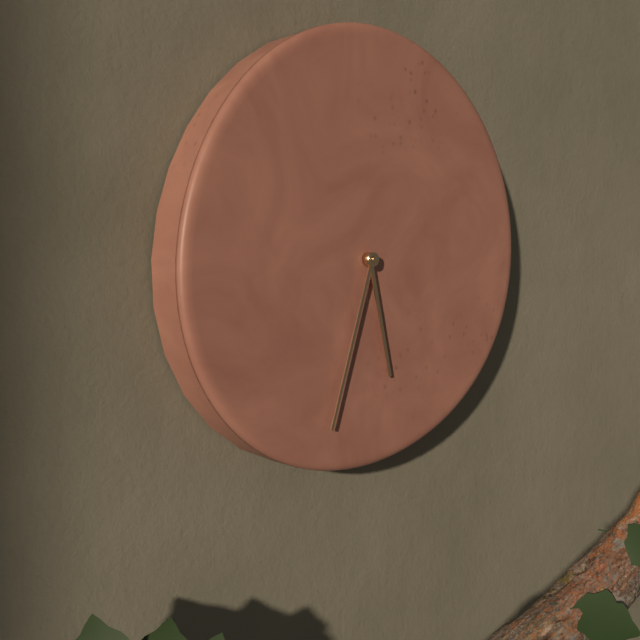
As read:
{"hour": 5, "minute": 33}
